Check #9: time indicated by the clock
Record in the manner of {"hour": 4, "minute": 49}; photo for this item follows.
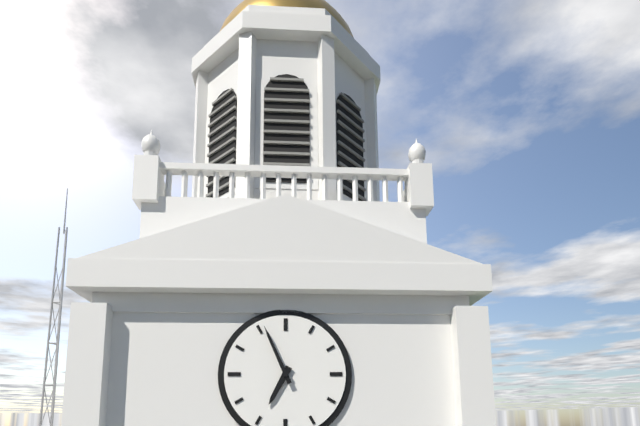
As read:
{"hour": 6, "minute": 56}
